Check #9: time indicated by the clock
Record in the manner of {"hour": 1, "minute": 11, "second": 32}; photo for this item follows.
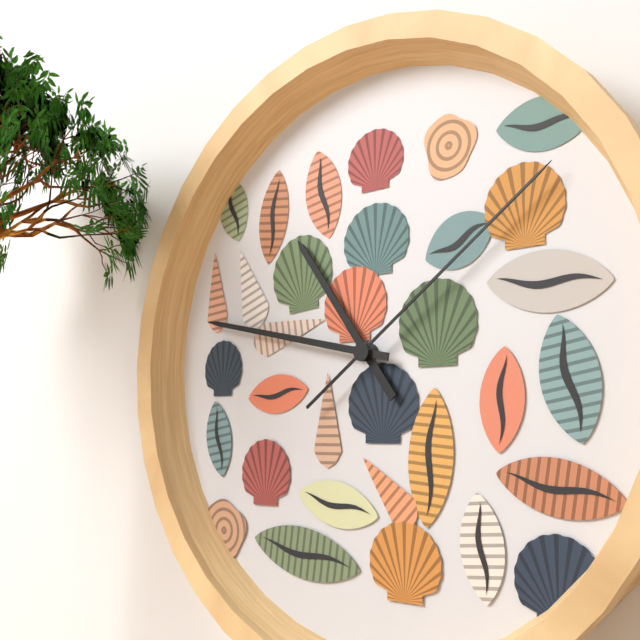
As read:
{"hour": 10, "minute": 47, "second": 9}
